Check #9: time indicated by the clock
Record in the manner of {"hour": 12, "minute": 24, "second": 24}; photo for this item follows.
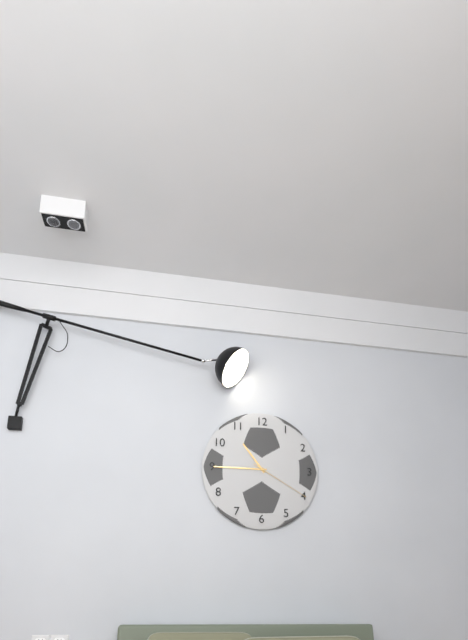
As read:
{"hour": 10, "minute": 45, "second": 20}
